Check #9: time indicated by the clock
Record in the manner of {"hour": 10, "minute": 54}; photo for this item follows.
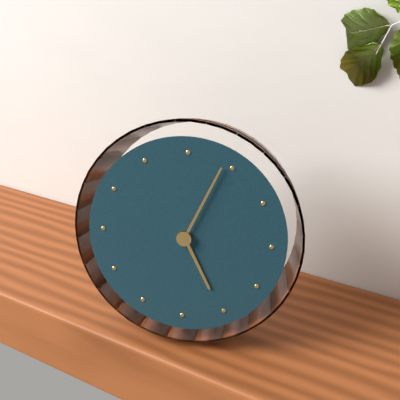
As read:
{"hour": 5, "minute": 4}
